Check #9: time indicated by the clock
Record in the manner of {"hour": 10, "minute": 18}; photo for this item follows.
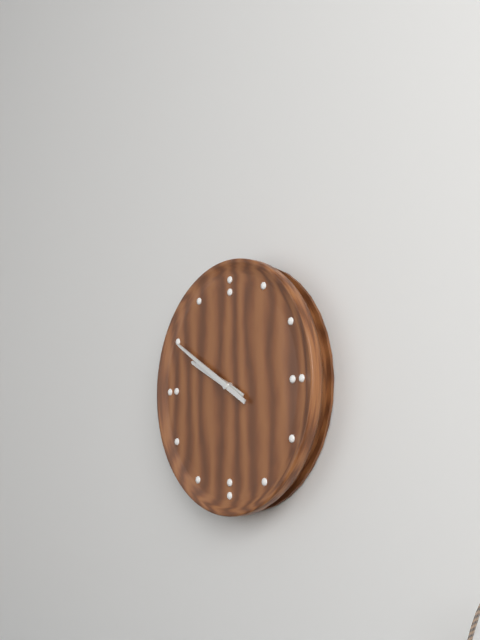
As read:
{"hour": 9, "minute": 50}
